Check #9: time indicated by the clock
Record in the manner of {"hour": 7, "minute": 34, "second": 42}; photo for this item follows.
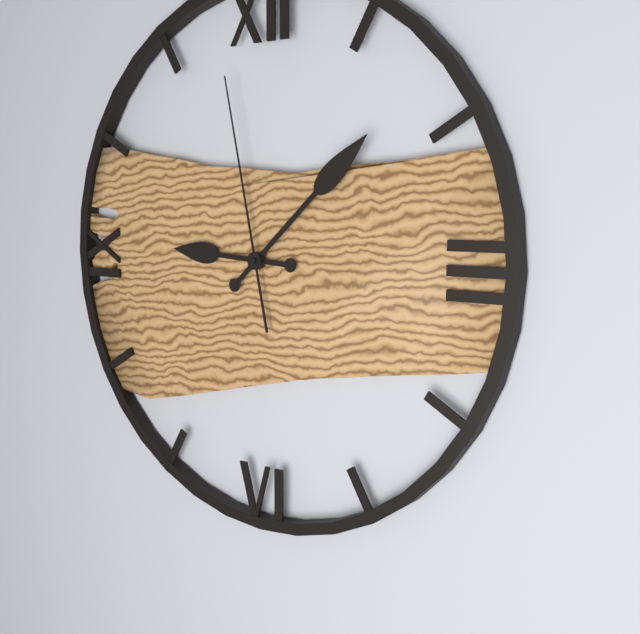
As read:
{"hour": 9, "minute": 8, "second": 58}
